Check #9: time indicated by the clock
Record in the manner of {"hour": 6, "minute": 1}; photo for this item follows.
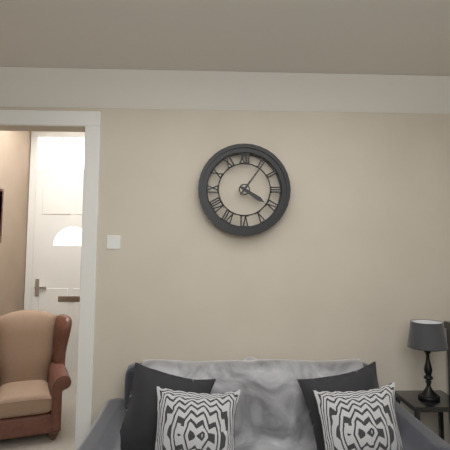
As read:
{"hour": 4, "minute": 6}
